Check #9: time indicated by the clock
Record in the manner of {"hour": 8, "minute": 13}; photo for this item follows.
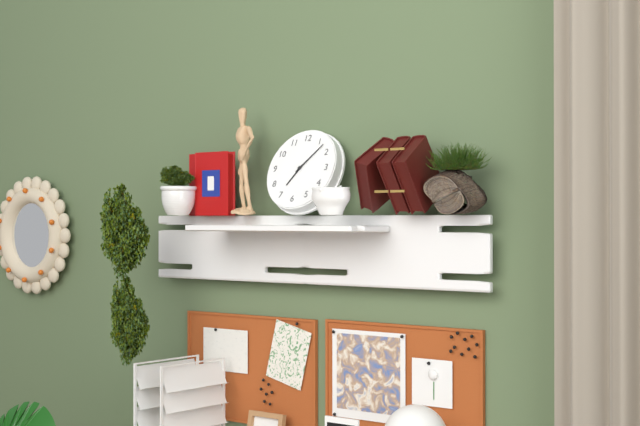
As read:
{"hour": 7, "minute": 7}
